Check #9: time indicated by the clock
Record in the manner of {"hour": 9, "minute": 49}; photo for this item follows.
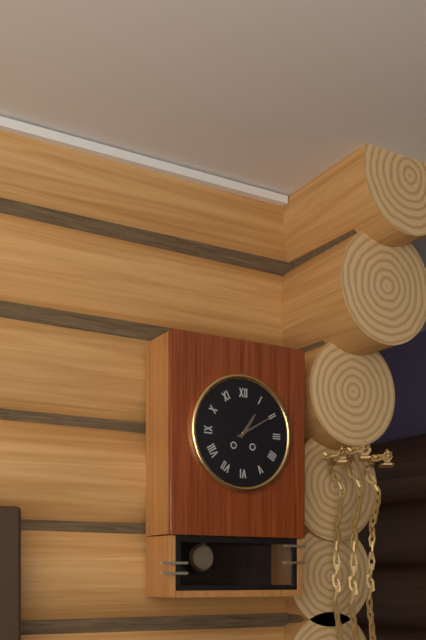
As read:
{"hour": 1, "minute": 10}
